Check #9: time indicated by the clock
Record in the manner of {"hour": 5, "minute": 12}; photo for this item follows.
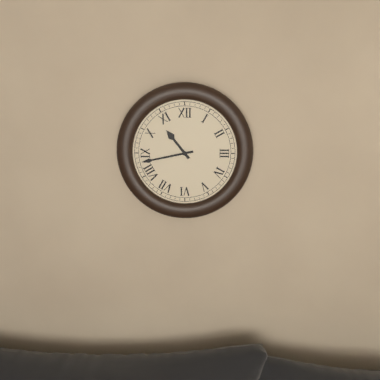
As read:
{"hour": 10, "minute": 43}
